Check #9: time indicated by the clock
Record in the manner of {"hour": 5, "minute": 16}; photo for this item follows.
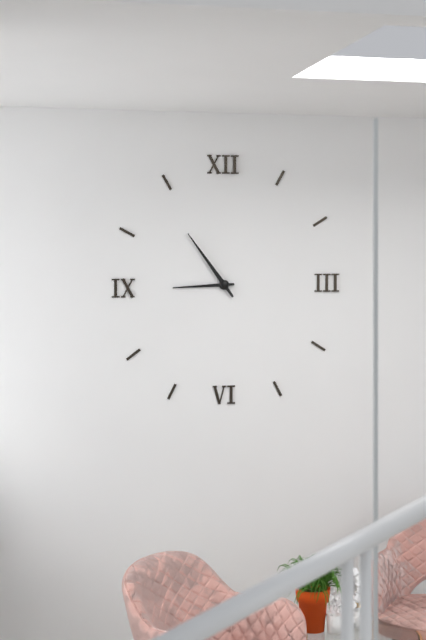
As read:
{"hour": 8, "minute": 54}
